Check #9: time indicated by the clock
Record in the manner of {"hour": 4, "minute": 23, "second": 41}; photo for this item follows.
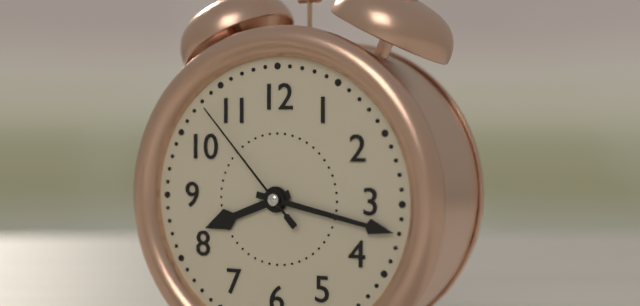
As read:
{"hour": 8, "minute": 17, "second": 53}
